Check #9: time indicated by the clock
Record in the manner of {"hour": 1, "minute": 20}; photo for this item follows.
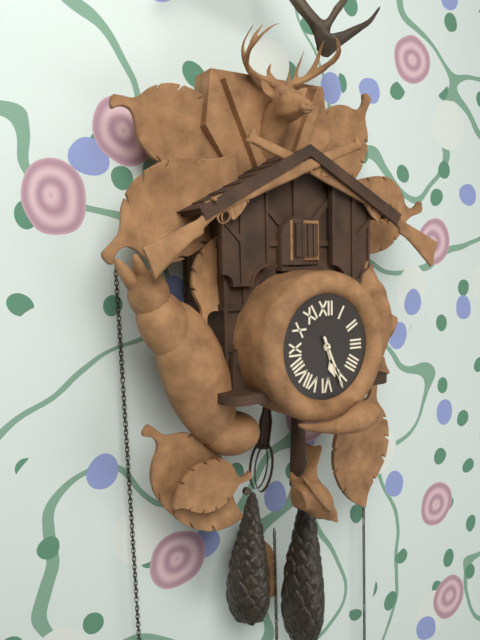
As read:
{"hour": 5, "minute": 26}
